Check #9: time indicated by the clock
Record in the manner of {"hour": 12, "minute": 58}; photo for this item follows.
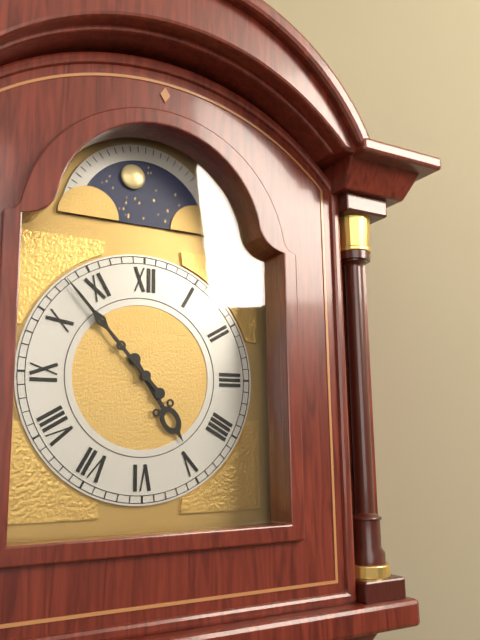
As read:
{"hour": 4, "minute": 53}
